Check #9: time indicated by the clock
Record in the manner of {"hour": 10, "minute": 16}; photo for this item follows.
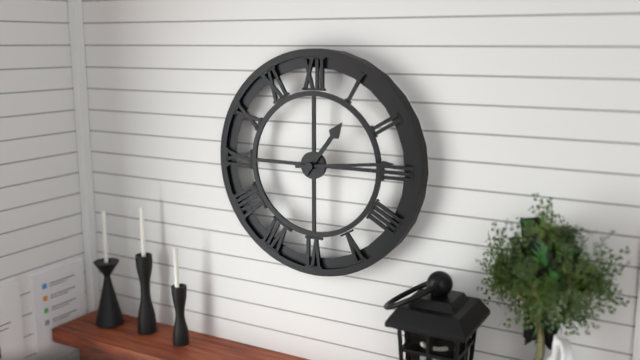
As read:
{"hour": 1, "minute": 14}
